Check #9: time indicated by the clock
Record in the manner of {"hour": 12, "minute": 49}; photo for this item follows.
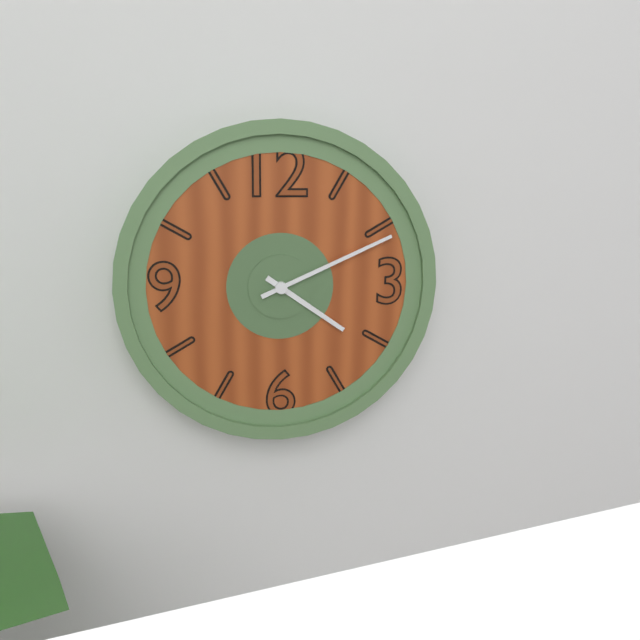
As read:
{"hour": 4, "minute": 11}
